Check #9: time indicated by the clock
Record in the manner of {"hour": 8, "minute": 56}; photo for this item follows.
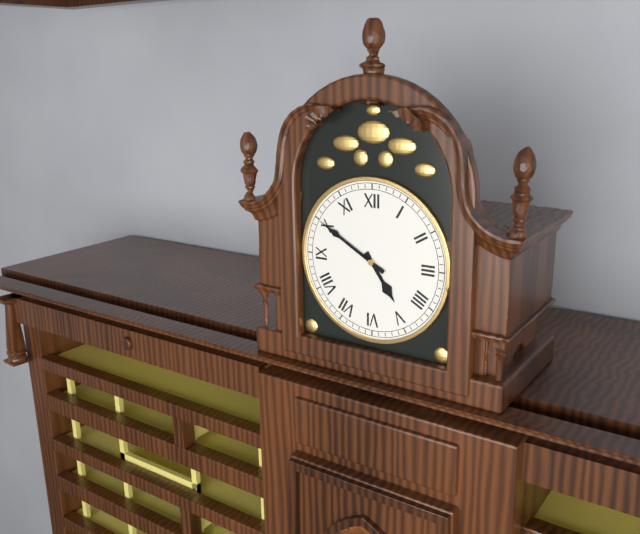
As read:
{"hour": 4, "minute": 50}
